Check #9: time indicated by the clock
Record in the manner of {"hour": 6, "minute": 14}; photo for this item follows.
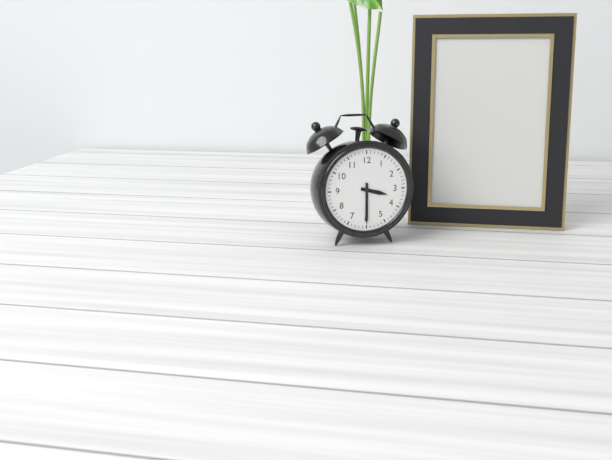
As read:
{"hour": 3, "minute": 30}
